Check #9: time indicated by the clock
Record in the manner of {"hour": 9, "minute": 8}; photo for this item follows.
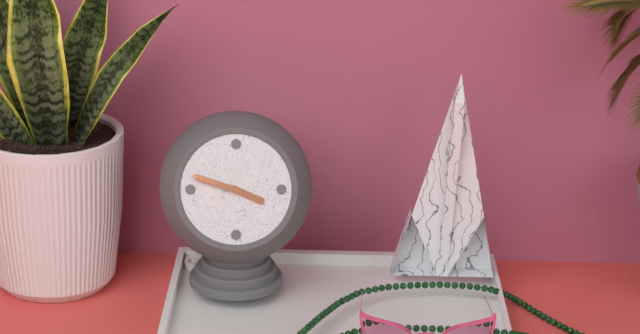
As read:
{"hour": 3, "minute": 48}
